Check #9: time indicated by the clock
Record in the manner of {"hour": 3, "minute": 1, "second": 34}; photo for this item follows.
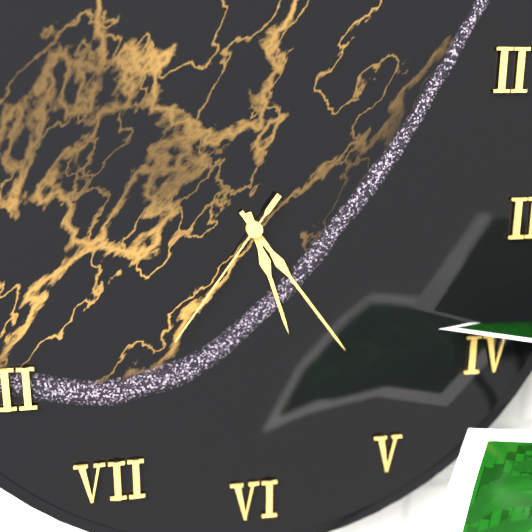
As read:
{"hour": 5, "minute": 24, "second": 36}
